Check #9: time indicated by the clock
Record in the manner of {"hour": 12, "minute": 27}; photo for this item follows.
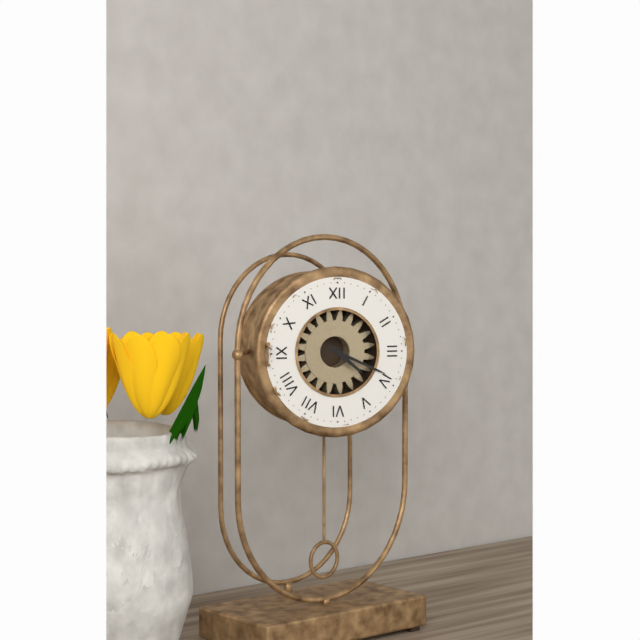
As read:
{"hour": 4, "minute": 19}
